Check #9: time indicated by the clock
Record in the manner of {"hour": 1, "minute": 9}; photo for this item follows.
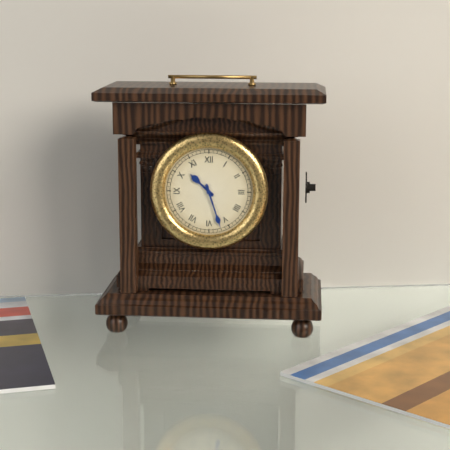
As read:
{"hour": 10, "minute": 27}
